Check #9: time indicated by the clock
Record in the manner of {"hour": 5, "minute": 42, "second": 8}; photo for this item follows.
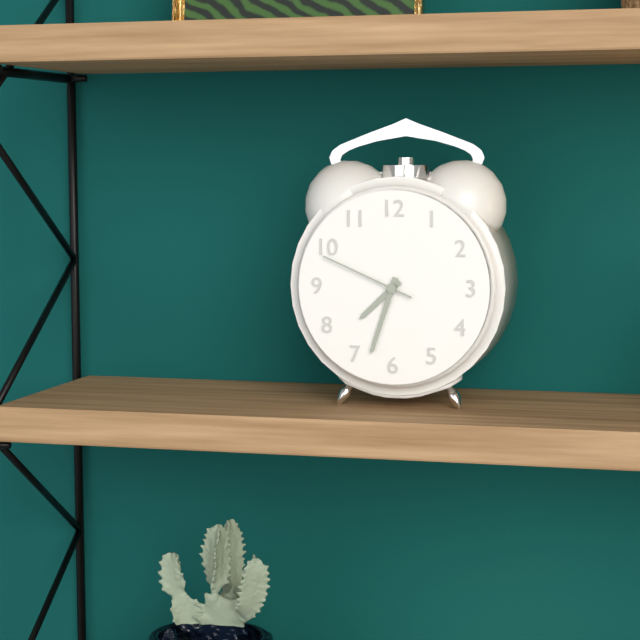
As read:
{"hour": 7, "minute": 33, "second": 49}
